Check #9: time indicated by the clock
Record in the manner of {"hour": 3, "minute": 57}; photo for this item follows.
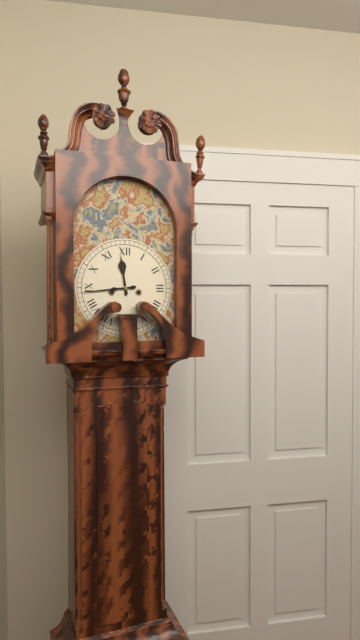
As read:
{"hour": 11, "minute": 44}
